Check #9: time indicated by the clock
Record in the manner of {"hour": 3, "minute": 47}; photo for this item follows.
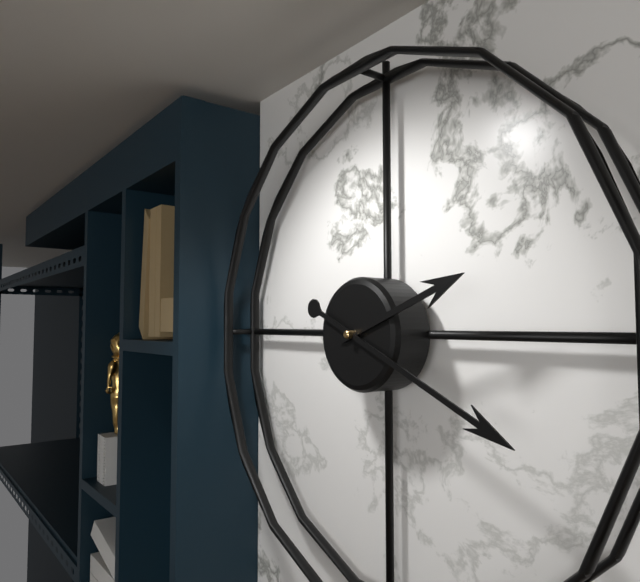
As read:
{"hour": 2, "minute": 19}
